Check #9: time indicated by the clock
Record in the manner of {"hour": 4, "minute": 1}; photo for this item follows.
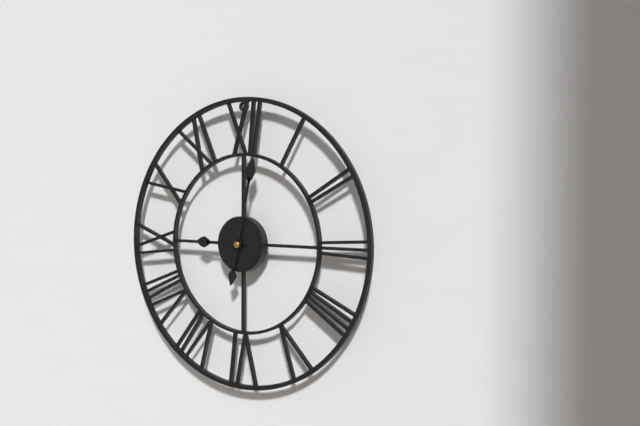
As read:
{"hour": 9, "minute": 2}
